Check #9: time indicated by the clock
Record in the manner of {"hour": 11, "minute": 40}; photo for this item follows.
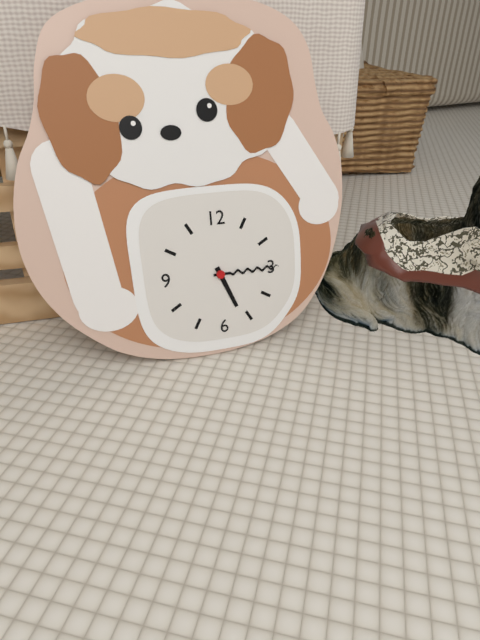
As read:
{"hour": 5, "minute": 15}
